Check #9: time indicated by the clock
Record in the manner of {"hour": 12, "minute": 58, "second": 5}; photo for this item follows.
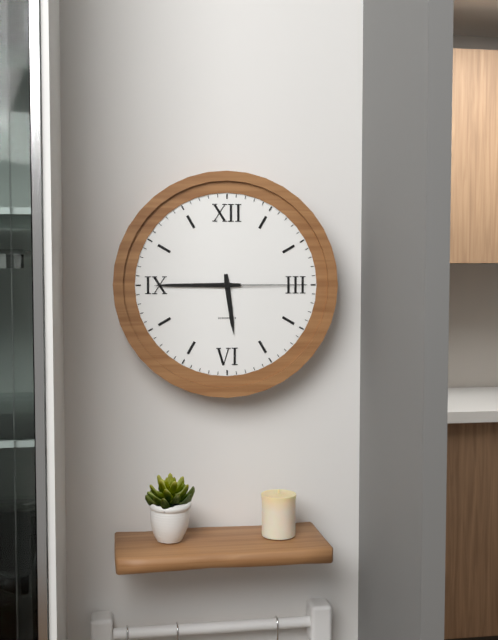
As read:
{"hour": 5, "minute": 45, "second": 15}
